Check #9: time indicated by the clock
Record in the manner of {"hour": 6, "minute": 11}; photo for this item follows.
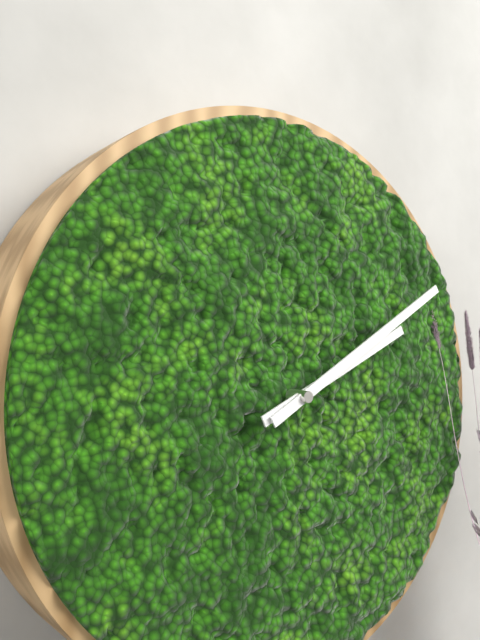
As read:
{"hour": 2, "minute": 10}
